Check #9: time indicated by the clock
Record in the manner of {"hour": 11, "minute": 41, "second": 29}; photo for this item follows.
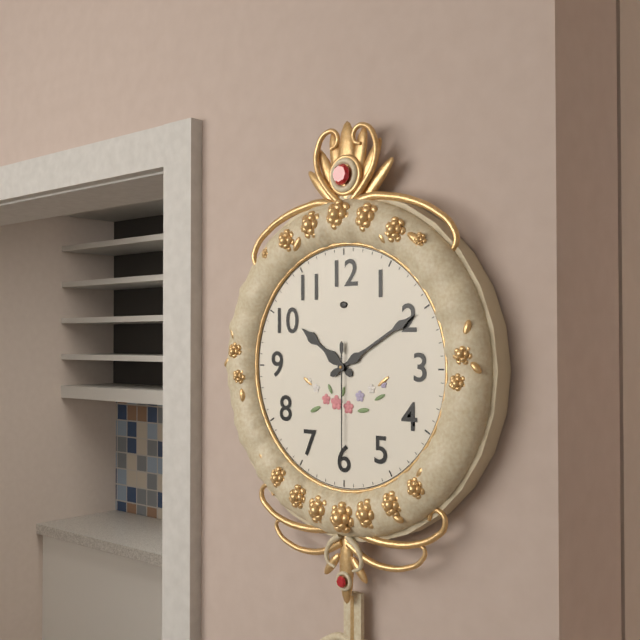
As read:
{"hour": 10, "minute": 10, "second": 30}
